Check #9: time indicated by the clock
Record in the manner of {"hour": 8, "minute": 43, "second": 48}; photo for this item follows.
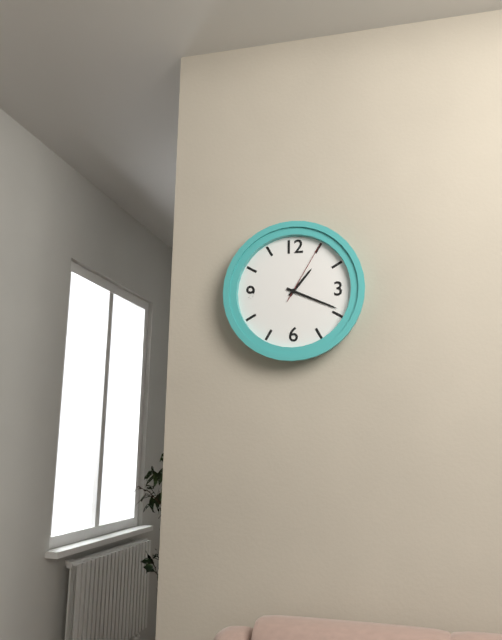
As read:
{"hour": 1, "minute": 19, "second": 5}
